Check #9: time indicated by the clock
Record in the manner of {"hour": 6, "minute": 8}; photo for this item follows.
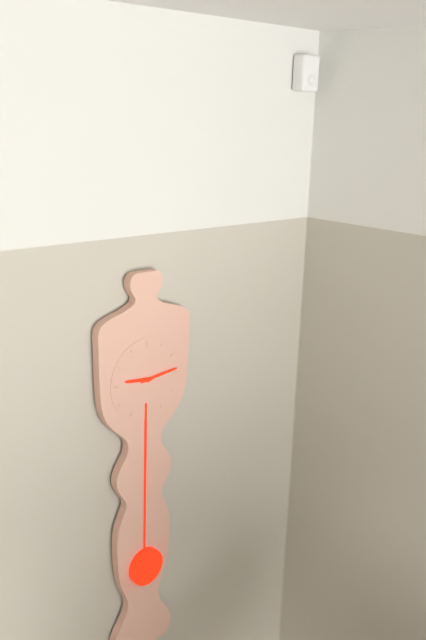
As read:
{"hour": 9, "minute": 14}
